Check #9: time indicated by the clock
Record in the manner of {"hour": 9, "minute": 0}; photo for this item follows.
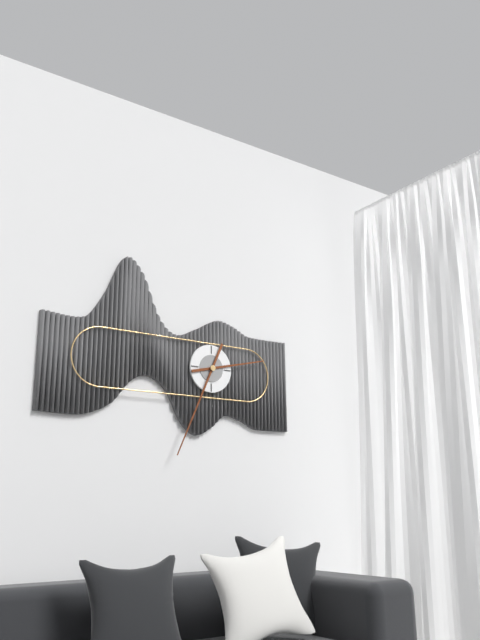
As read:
{"hour": 2, "minute": 34}
